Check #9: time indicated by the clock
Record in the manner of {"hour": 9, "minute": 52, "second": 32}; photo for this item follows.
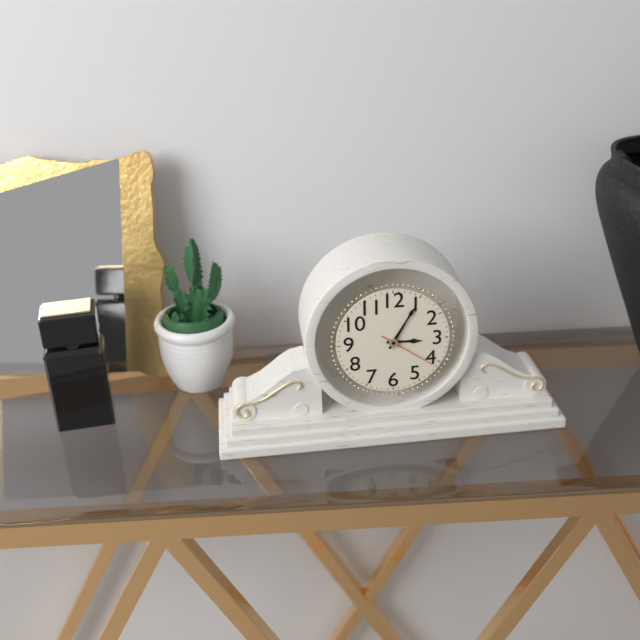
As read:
{"hour": 3, "minute": 5, "second": 21}
